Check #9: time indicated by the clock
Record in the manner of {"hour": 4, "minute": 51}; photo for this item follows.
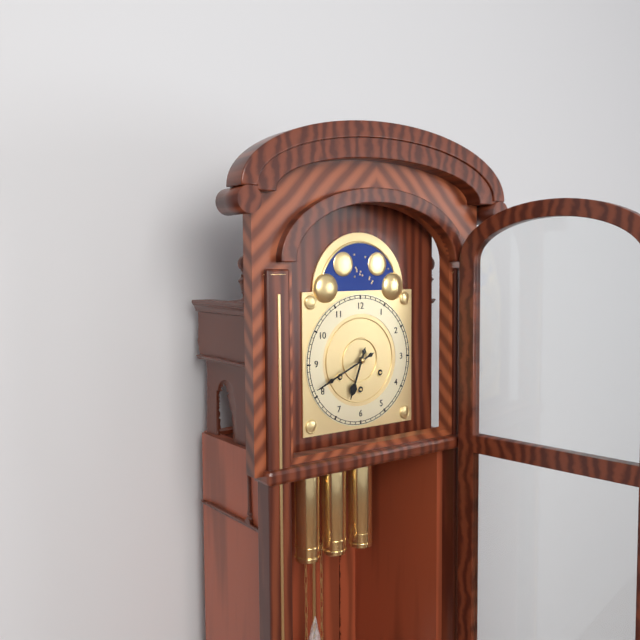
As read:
{"hour": 6, "minute": 41}
